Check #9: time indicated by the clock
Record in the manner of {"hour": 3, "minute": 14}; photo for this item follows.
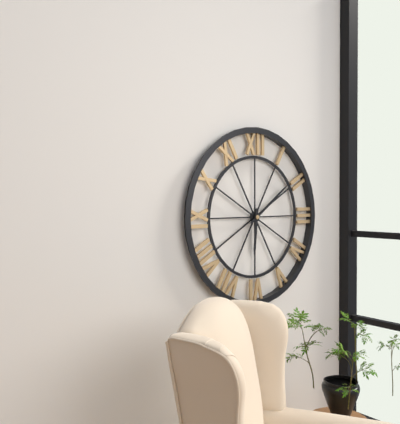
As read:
{"hour": 6, "minute": 9}
